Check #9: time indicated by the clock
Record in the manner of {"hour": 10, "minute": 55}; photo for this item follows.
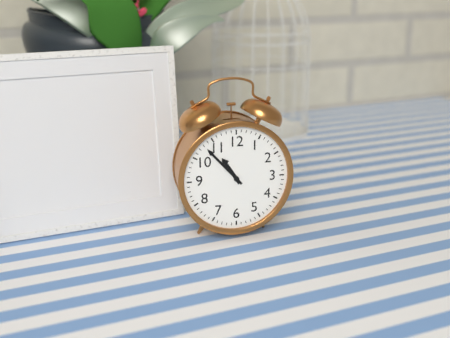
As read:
{"hour": 10, "minute": 53}
